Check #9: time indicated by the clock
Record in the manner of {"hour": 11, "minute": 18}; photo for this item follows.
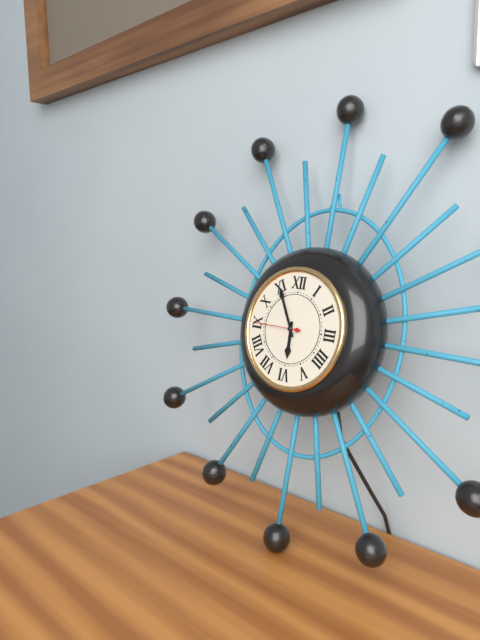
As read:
{"hour": 5, "minute": 55}
